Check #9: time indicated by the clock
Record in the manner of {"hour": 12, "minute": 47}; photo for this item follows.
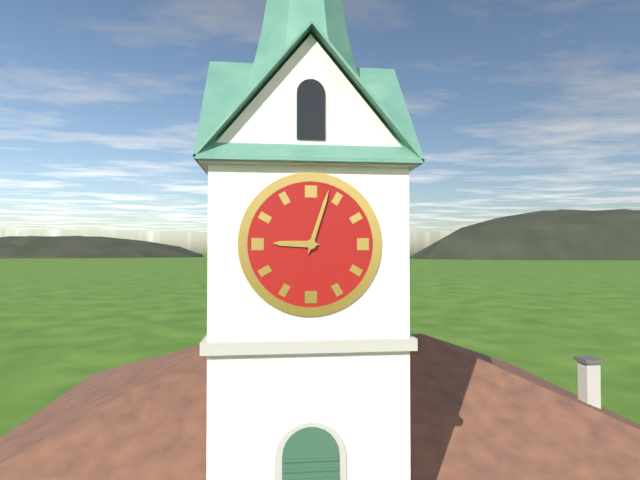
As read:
{"hour": 9, "minute": 3}
